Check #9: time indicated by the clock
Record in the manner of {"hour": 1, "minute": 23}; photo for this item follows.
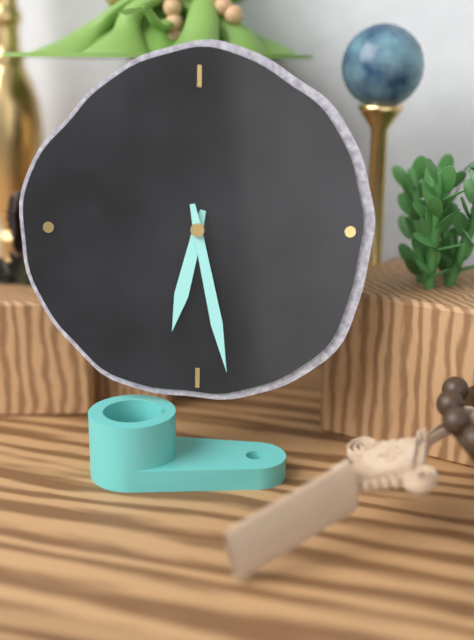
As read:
{"hour": 6, "minute": 28}
